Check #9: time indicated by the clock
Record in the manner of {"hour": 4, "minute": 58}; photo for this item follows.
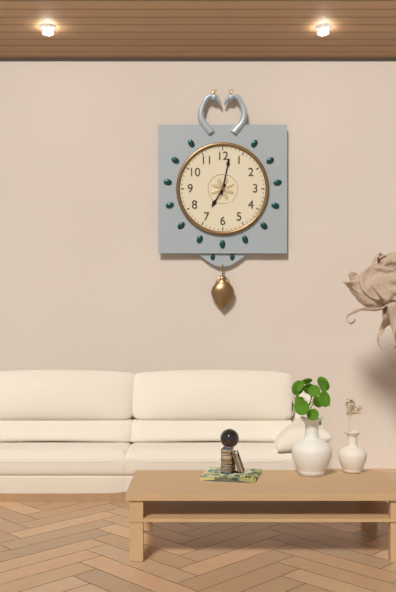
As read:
{"hour": 7, "minute": 2}
